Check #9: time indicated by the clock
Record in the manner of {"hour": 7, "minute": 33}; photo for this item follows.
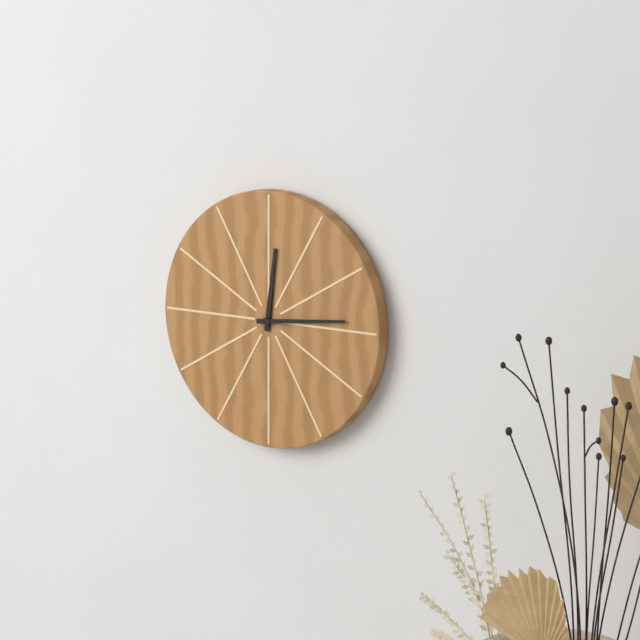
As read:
{"hour": 12, "minute": 14}
